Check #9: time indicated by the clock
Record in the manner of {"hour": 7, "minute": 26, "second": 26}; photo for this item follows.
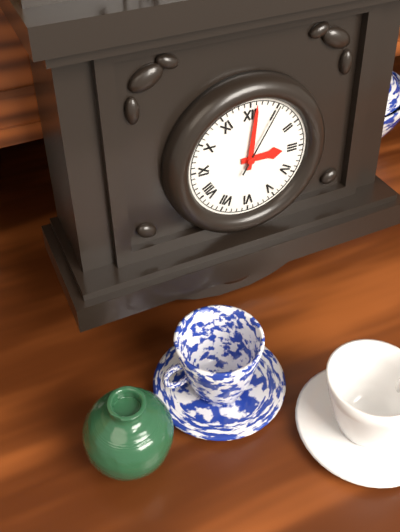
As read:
{"hour": 3, "minute": 1, "second": 5}
